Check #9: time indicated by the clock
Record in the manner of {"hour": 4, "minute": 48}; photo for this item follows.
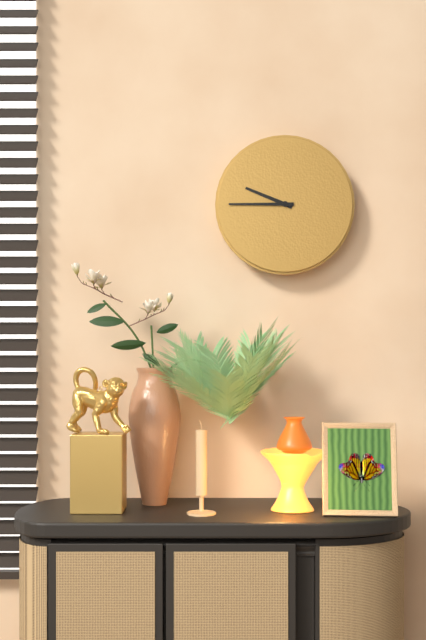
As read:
{"hour": 9, "minute": 45}
